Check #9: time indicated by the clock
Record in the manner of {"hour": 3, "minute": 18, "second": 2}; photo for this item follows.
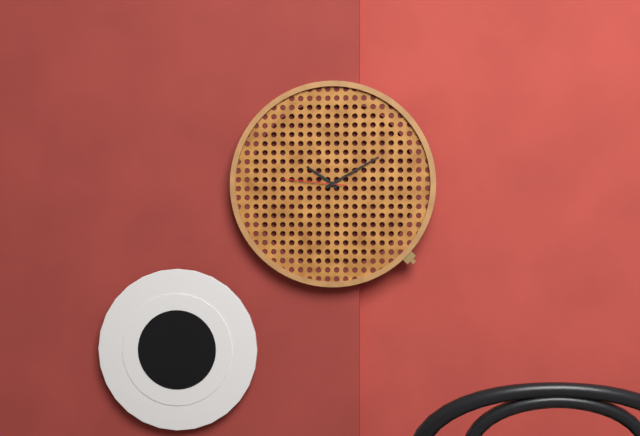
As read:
{"hour": 10, "minute": 10, "second": 46}
